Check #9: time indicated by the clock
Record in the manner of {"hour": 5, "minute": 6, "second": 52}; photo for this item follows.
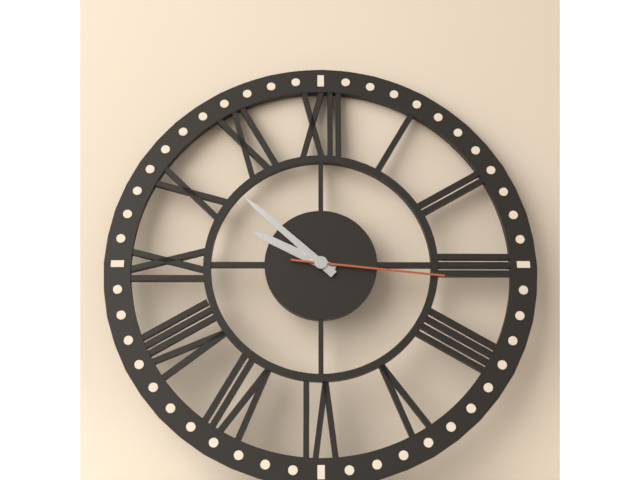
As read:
{"hour": 9, "minute": 52, "second": 16}
